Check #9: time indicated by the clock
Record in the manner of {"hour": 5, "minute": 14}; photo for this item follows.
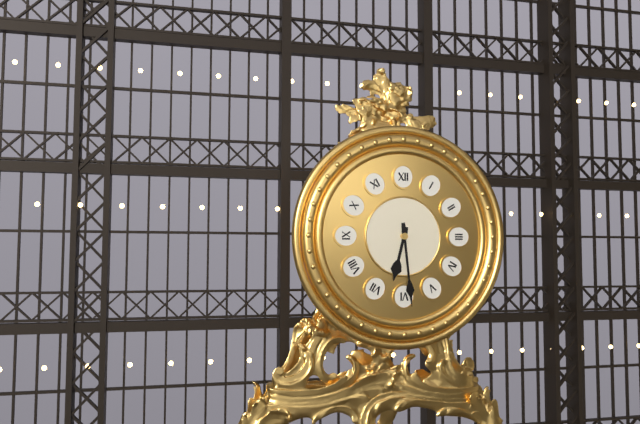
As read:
{"hour": 6, "minute": 29}
